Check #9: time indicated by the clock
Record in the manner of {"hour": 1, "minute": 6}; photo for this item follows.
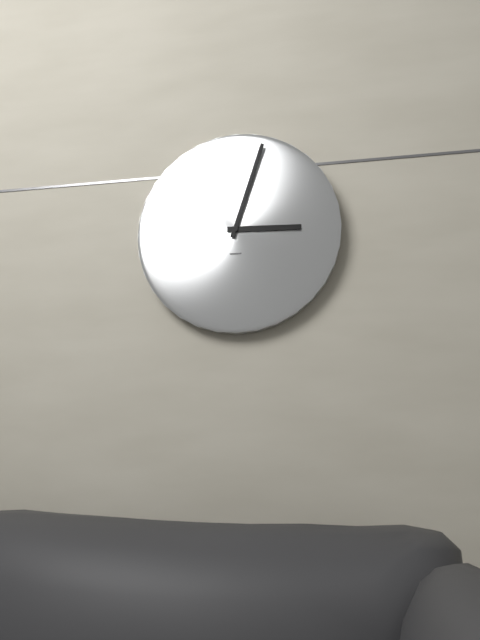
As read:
{"hour": 3, "minute": 3}
